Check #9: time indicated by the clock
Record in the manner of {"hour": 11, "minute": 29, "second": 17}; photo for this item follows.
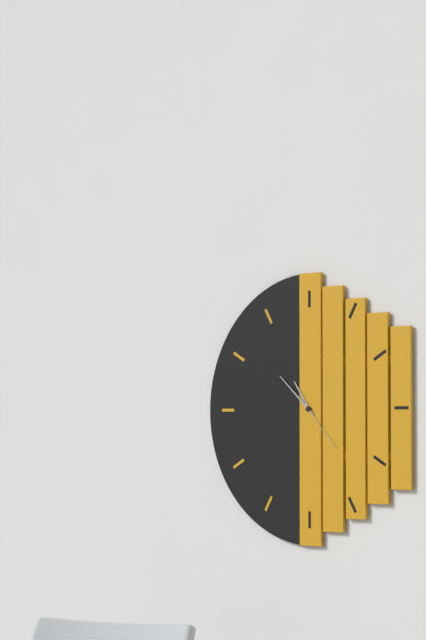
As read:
{"hour": 10, "minute": 52, "second": 23}
